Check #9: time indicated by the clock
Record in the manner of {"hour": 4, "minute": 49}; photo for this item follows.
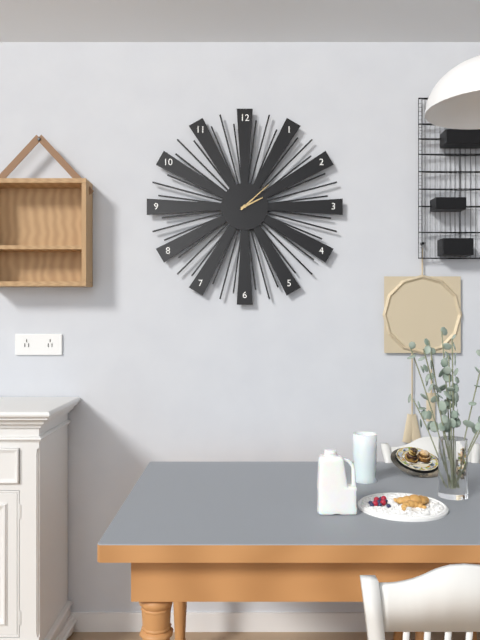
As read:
{"hour": 2, "minute": 8}
